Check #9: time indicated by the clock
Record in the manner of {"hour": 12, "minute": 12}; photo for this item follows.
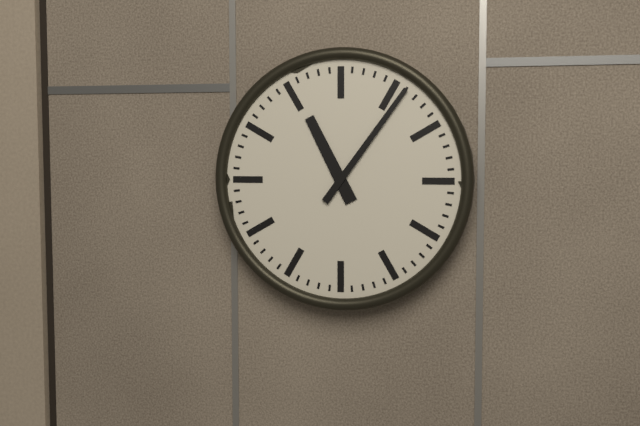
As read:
{"hour": 11, "minute": 6}
